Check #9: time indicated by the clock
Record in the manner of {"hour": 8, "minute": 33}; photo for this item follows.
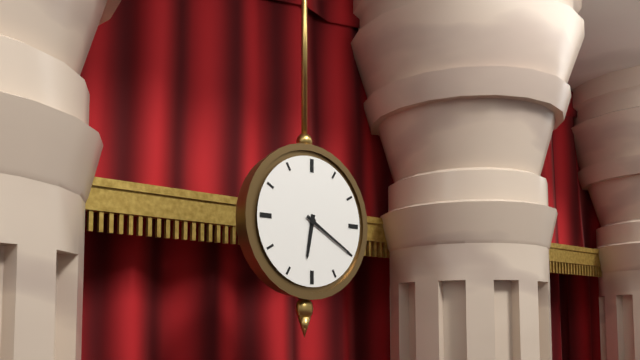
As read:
{"hour": 6, "minute": 20}
